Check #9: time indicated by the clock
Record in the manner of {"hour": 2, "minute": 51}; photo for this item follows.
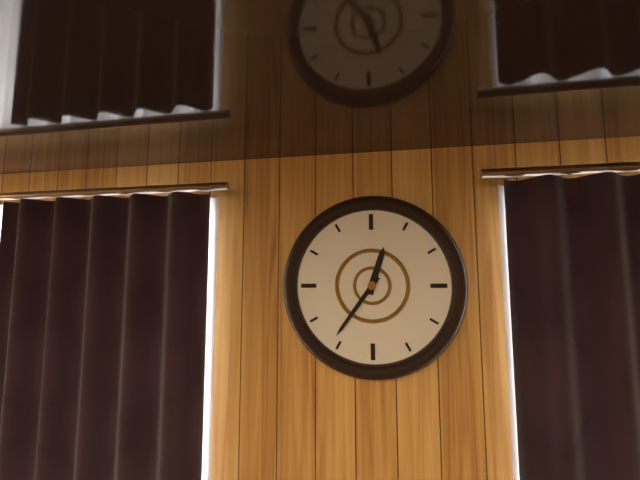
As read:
{"hour": 12, "minute": 36}
